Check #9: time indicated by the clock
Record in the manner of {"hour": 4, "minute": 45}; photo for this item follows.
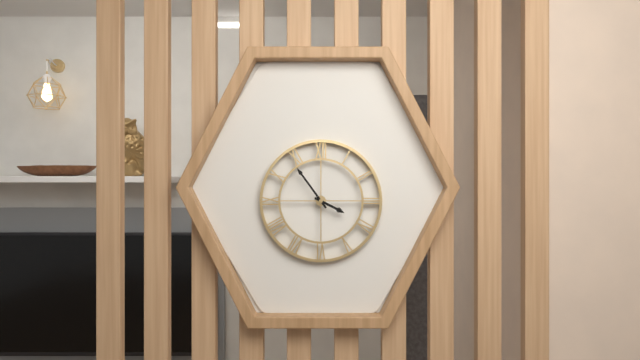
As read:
{"hour": 3, "minute": 54}
